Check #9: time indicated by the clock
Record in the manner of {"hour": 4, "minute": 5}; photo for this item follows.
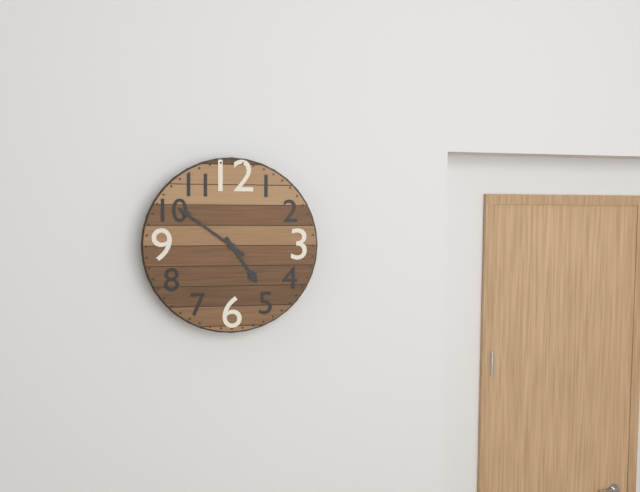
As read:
{"hour": 4, "minute": 51}
